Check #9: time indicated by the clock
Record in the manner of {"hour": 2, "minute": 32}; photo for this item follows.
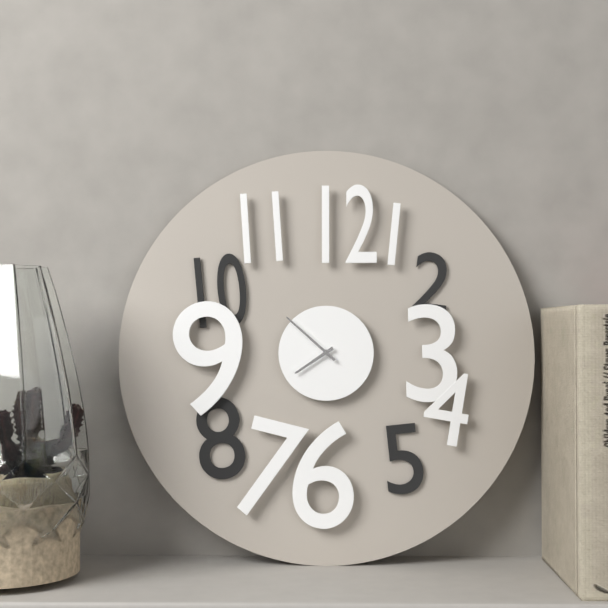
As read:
{"hour": 7, "minute": 52}
